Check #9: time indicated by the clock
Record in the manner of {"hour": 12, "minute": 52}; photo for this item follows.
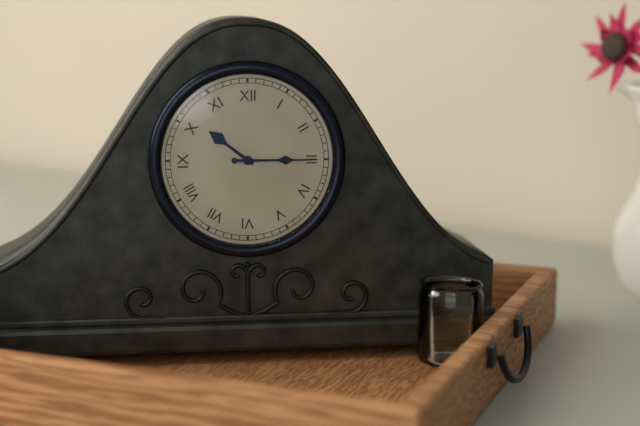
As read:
{"hour": 10, "minute": 15}
